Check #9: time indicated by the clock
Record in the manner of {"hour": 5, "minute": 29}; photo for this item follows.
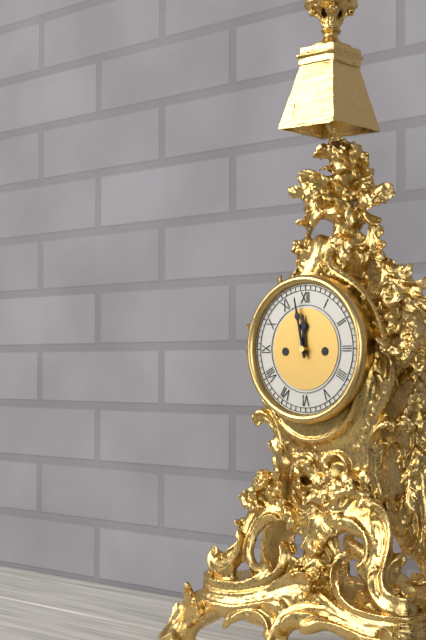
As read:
{"hour": 11, "minute": 58}
